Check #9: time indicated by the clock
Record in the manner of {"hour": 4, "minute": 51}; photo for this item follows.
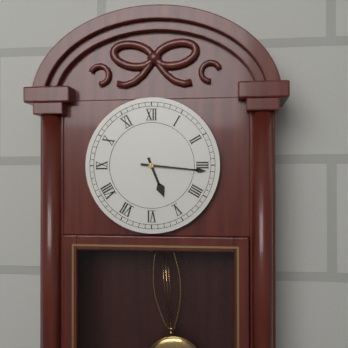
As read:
{"hour": 5, "minute": 16}
